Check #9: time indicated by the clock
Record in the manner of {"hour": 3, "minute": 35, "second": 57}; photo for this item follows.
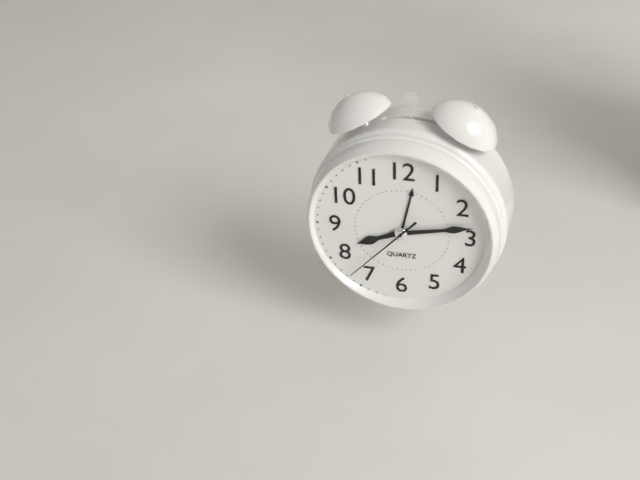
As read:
{"hour": 8, "minute": 13, "second": 37}
